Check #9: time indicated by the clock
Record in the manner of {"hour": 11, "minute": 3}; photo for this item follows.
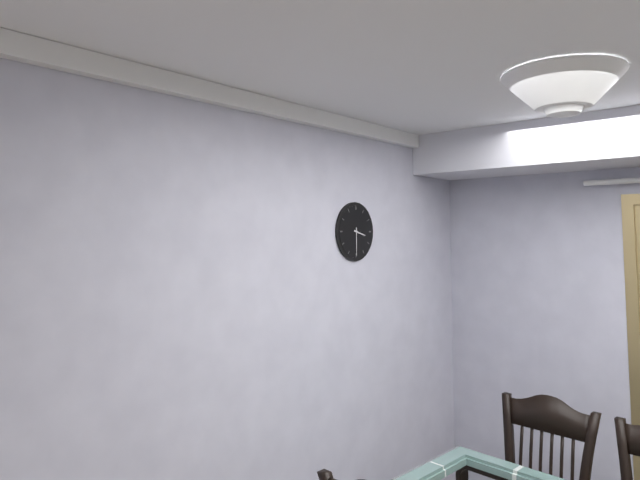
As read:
{"hour": 3, "minute": 30}
